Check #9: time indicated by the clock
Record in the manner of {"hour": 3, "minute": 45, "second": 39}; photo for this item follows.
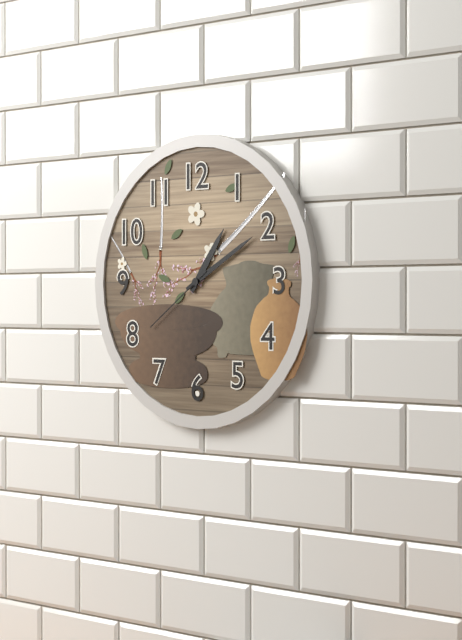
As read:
{"hour": 1, "minute": 10, "second": 39}
